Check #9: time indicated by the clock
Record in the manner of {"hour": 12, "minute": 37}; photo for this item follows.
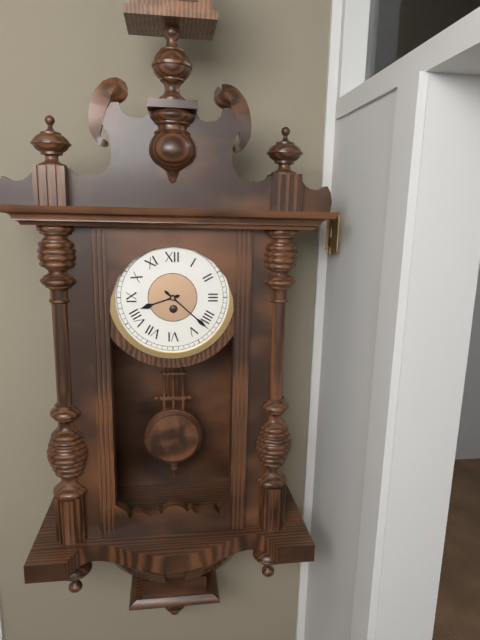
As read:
{"hour": 8, "minute": 22}
